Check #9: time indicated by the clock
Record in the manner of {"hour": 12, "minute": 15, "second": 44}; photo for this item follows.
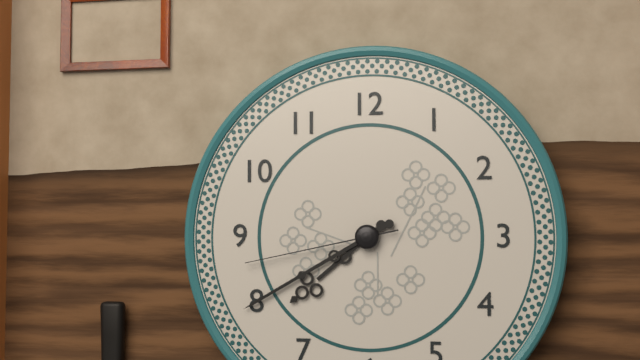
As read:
{"hour": 7, "minute": 40, "second": 43}
